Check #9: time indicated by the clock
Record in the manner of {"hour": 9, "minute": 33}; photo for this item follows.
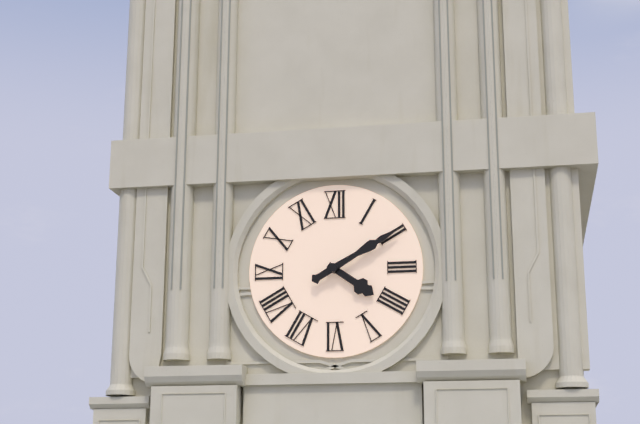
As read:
{"hour": 4, "minute": 10}
